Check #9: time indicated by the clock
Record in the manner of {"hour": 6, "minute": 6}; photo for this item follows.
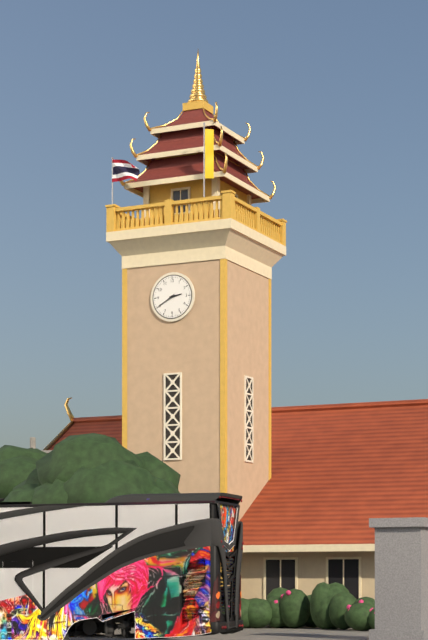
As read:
{"hour": 2, "minute": 40}
